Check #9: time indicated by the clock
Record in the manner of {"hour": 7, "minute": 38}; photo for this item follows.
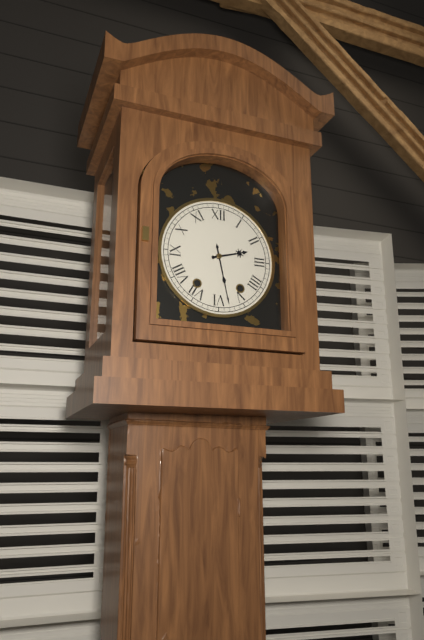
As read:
{"hour": 2, "minute": 28}
